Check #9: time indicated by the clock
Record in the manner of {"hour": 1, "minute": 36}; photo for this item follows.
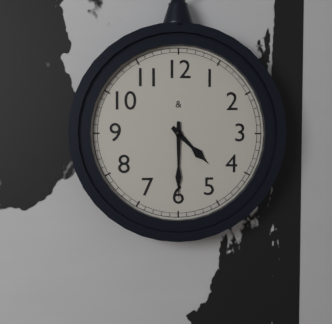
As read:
{"hour": 4, "minute": 30}
